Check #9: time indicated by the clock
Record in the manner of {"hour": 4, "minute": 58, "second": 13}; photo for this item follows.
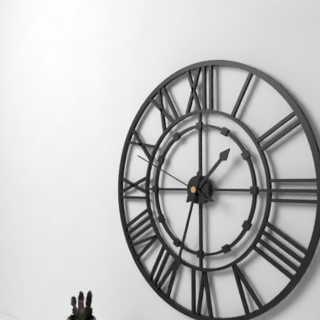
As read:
{"hour": 1, "minute": 33, "second": 49}
